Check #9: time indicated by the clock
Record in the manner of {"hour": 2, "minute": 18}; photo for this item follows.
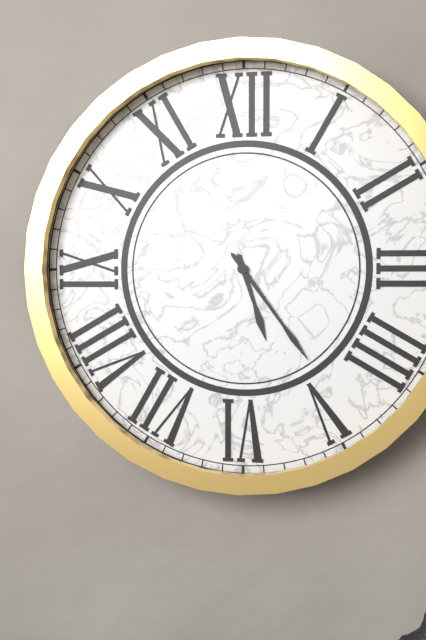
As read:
{"hour": 5, "minute": 24}
